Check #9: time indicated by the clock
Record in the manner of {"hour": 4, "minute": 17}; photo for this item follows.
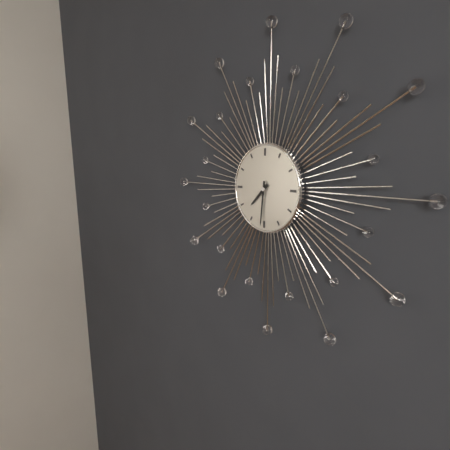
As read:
{"hour": 7, "minute": 31}
